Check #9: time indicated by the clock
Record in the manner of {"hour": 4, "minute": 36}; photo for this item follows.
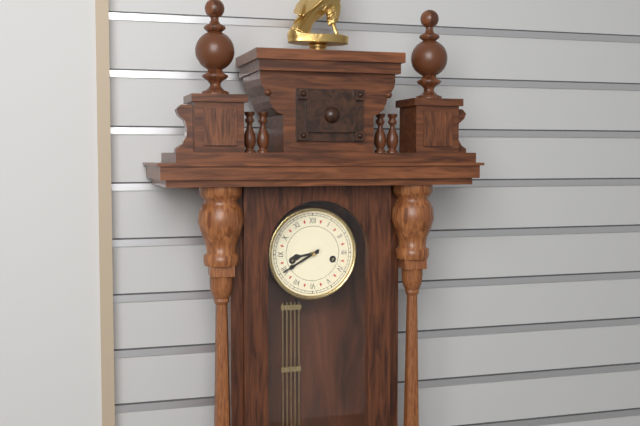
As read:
{"hour": 8, "minute": 40}
